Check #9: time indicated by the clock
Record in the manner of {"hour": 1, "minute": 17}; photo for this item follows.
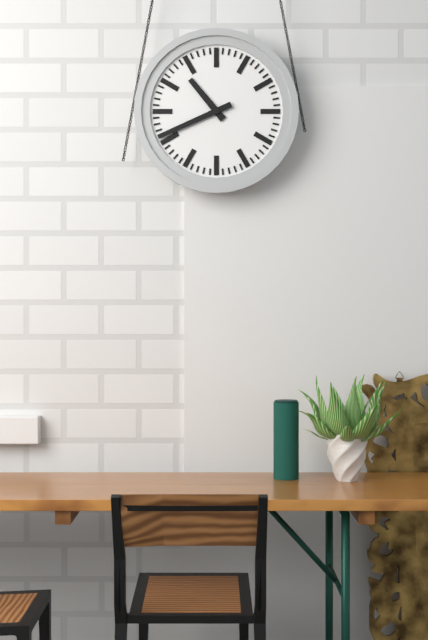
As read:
{"hour": 10, "minute": 41}
